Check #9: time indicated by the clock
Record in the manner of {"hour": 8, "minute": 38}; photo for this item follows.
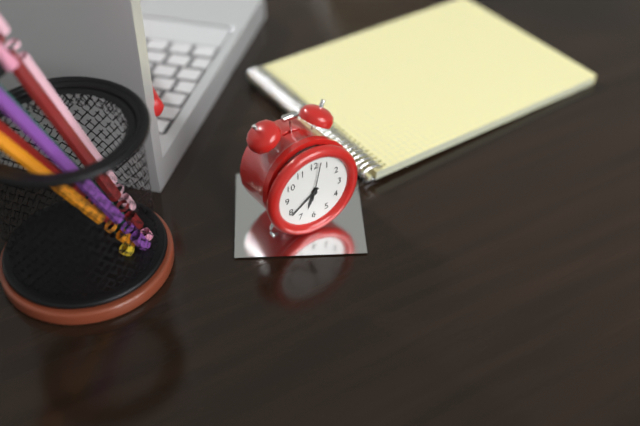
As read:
{"hour": 6, "minute": 39}
